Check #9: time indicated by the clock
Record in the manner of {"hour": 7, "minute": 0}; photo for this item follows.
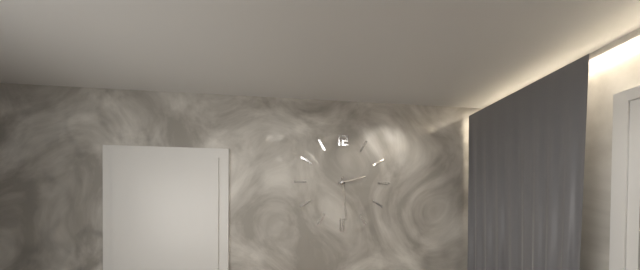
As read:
{"hour": 2, "minute": 29}
